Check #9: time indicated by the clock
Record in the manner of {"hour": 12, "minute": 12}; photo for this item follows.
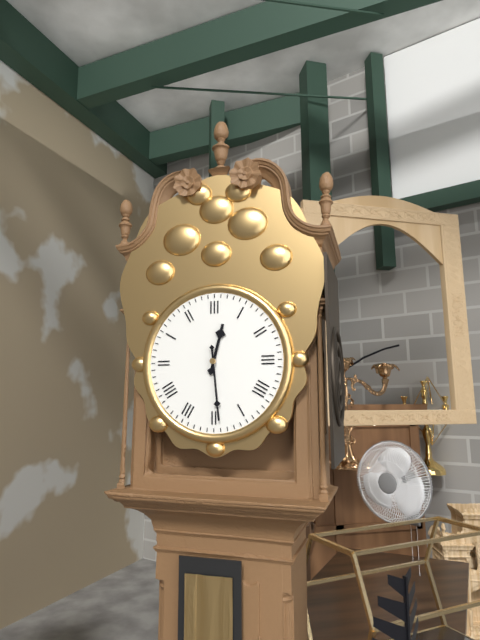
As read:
{"hour": 12, "minute": 29}
